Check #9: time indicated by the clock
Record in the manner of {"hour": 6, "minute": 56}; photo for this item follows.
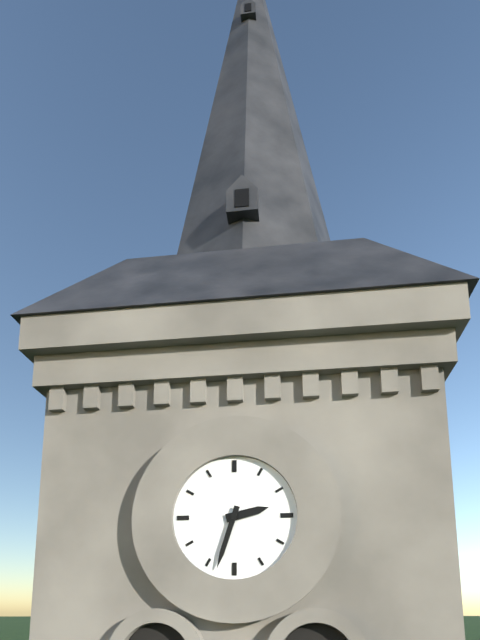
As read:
{"hour": 2, "minute": 33}
